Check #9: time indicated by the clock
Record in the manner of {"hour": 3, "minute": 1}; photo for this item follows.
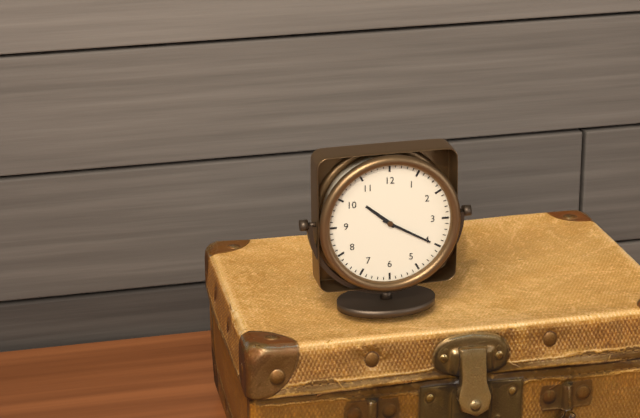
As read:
{"hour": 10, "minute": 20}
